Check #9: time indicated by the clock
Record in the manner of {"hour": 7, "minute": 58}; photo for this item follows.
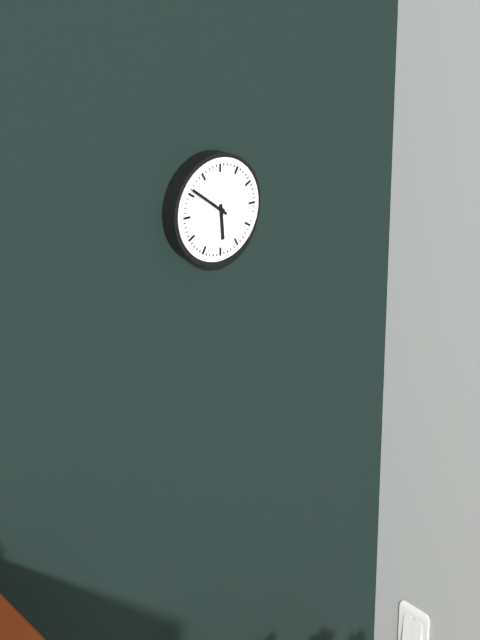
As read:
{"hour": 5, "minute": 51}
